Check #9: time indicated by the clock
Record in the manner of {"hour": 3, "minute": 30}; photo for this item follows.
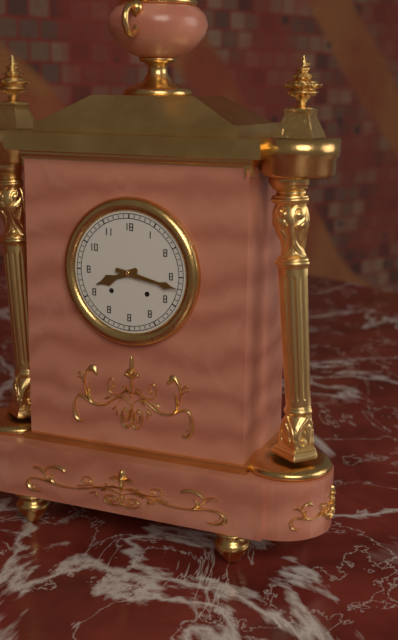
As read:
{"hour": 8, "minute": 17}
